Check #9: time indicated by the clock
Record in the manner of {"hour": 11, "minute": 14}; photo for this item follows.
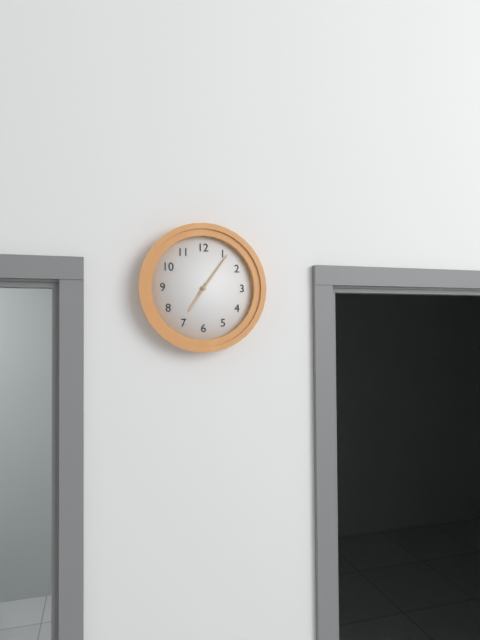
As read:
{"hour": 7, "minute": 6}
